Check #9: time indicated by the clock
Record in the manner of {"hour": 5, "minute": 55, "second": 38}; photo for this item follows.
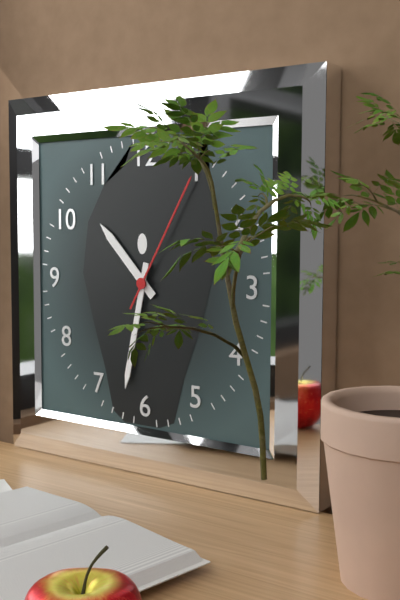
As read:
{"hour": 10, "minute": 32, "second": 5}
